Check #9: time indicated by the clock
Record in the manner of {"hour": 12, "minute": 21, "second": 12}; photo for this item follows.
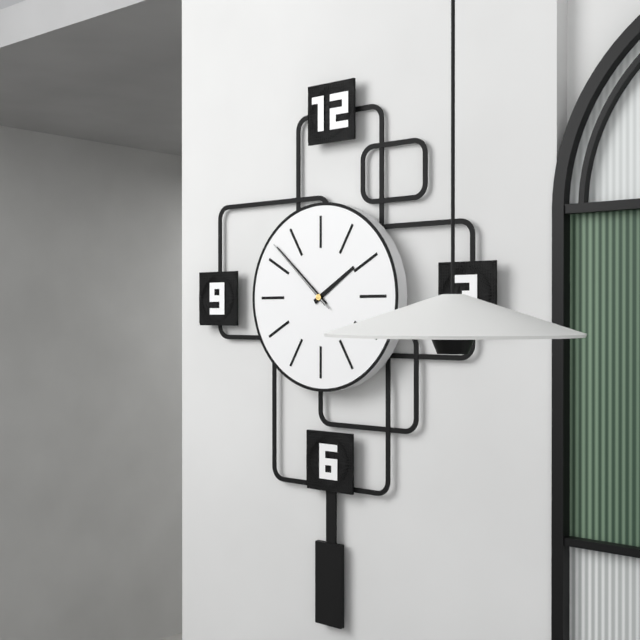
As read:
{"hour": 1, "minute": 52, "second": 52}
